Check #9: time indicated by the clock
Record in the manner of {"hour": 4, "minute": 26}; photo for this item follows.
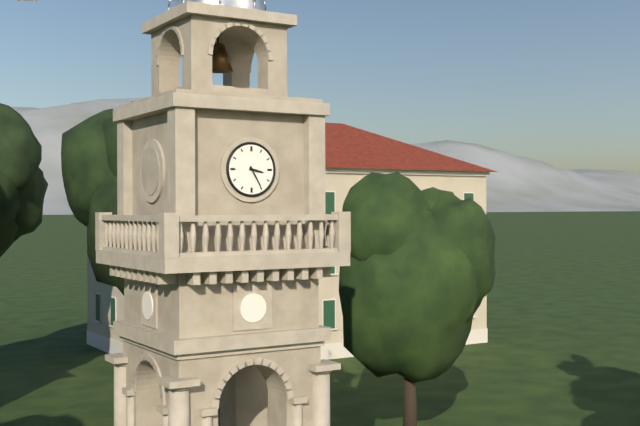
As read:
{"hour": 3, "minute": 25}
